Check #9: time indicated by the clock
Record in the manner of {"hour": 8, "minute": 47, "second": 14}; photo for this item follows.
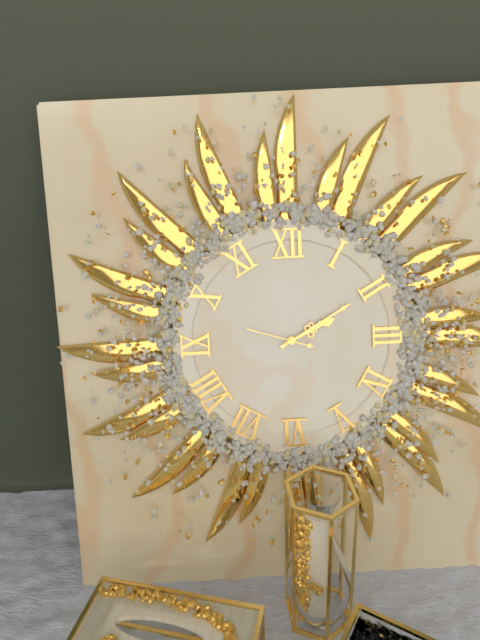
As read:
{"hour": 2, "minute": 10, "second": 48}
